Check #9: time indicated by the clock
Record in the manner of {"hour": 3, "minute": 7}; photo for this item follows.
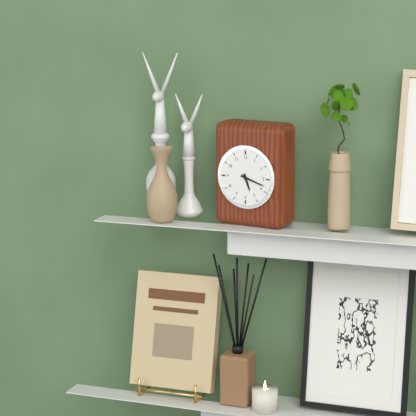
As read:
{"hour": 5, "minute": 18}
